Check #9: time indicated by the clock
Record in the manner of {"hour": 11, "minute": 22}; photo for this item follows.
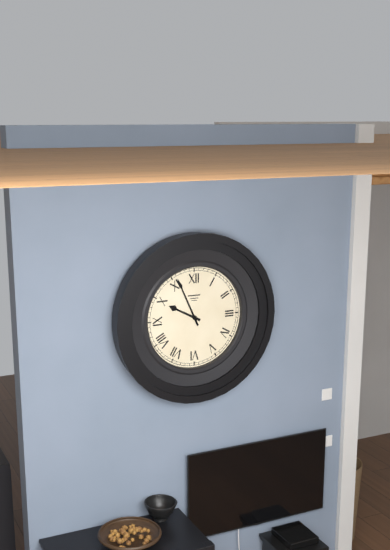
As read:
{"hour": 9, "minute": 56}
